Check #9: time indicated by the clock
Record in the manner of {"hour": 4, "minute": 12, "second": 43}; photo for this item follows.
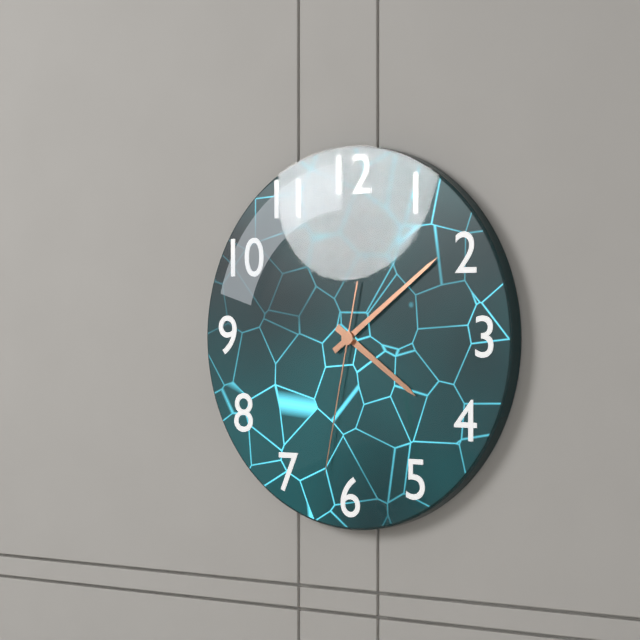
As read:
{"hour": 4, "minute": 9, "second": 32}
